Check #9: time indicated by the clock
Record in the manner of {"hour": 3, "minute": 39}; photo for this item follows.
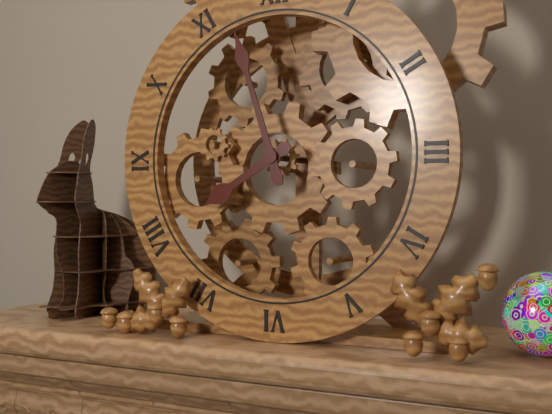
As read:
{"hour": 7, "minute": 57}
